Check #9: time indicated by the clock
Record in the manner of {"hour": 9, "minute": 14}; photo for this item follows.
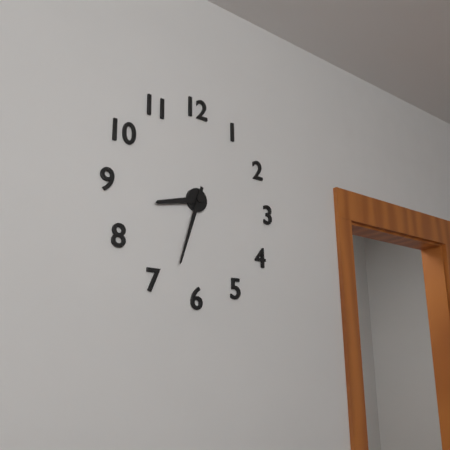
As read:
{"hour": 8, "minute": 33}
